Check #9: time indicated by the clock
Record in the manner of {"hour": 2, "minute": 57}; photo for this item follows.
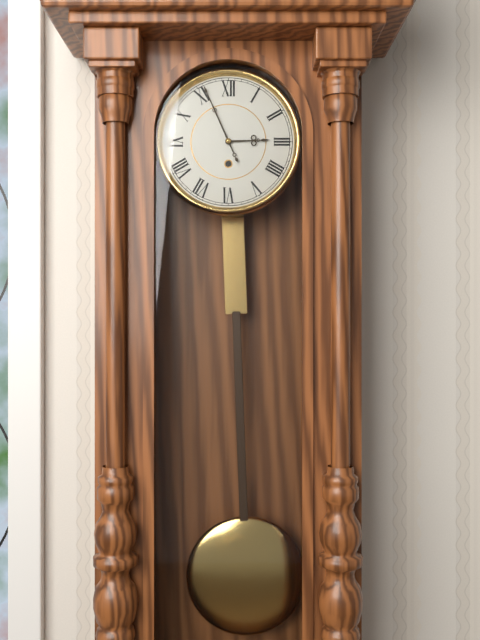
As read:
{"hour": 2, "minute": 56}
